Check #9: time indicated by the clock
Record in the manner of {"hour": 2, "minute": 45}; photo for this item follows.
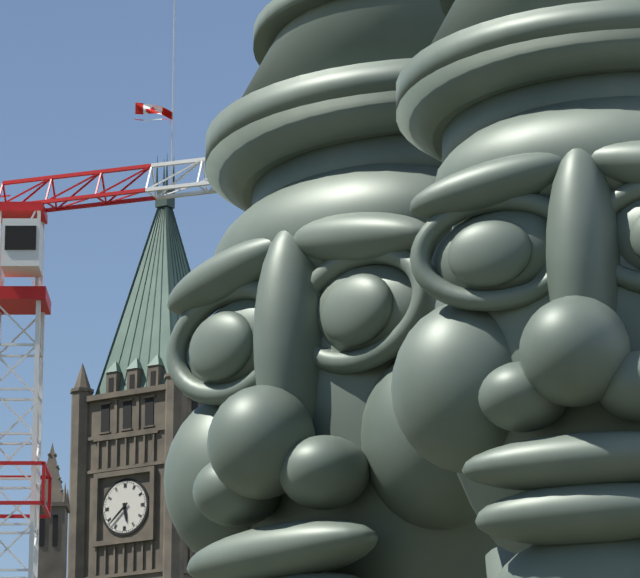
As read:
{"hour": 5, "minute": 38}
